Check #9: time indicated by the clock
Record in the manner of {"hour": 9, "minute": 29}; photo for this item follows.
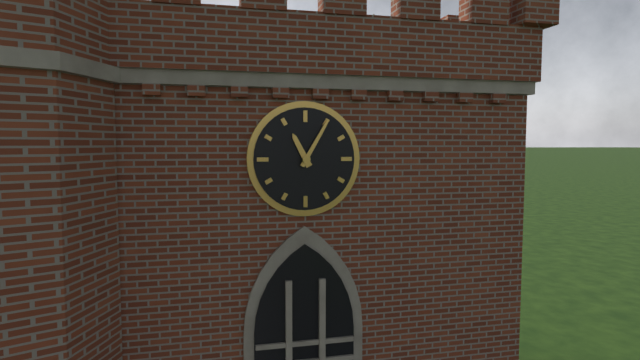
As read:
{"hour": 11, "minute": 5}
